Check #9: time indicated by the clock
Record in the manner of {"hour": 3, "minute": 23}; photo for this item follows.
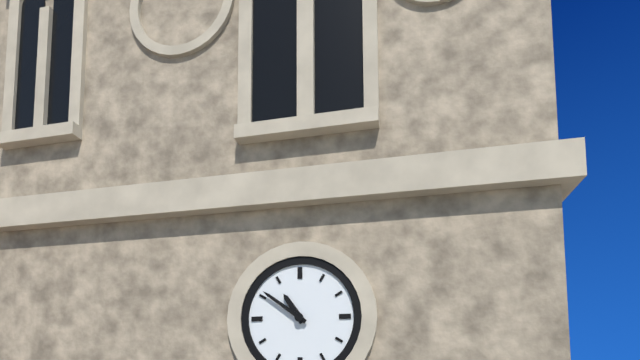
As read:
{"hour": 10, "minute": 51}
